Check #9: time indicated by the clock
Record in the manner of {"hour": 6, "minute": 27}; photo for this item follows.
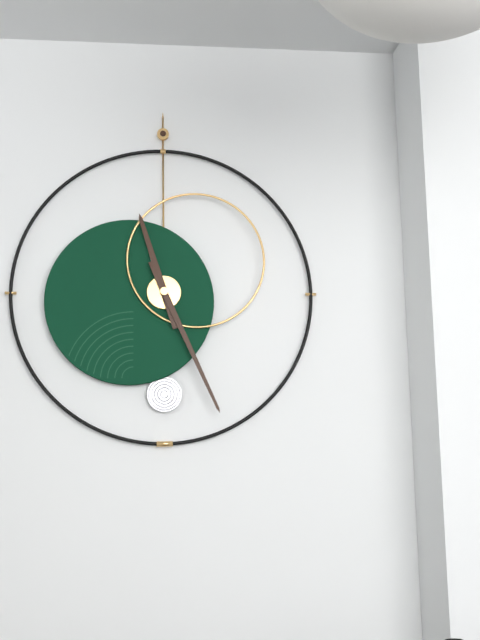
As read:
{"hour": 11, "minute": 26}
